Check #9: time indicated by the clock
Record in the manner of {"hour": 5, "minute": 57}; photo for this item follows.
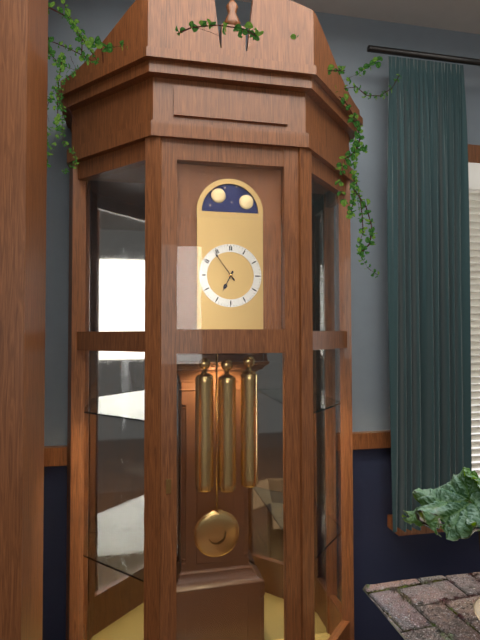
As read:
{"hour": 6, "minute": 54}
